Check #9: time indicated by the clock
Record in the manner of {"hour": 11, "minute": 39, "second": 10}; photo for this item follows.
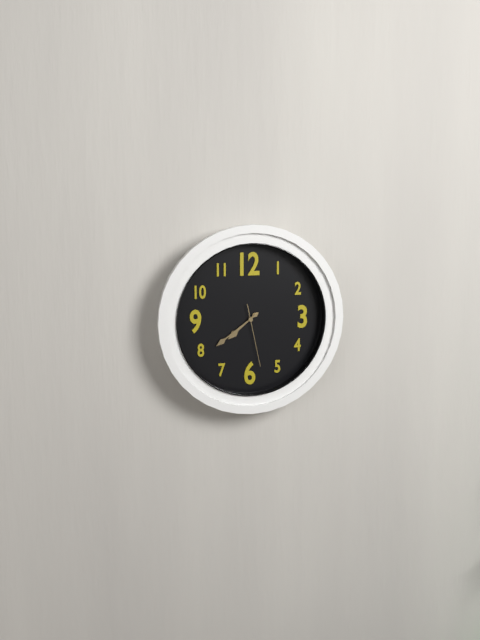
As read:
{"hour": 7, "minute": 39, "second": 28}
